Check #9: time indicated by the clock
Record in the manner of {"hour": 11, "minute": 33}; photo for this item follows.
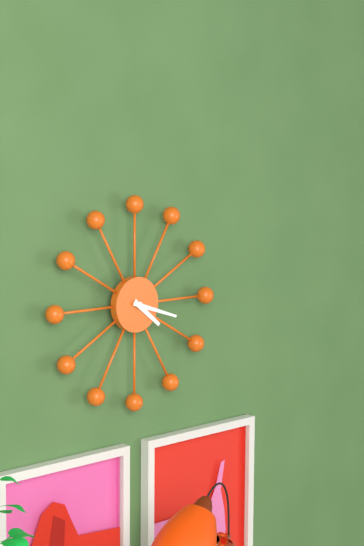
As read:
{"hour": 4, "minute": 18}
